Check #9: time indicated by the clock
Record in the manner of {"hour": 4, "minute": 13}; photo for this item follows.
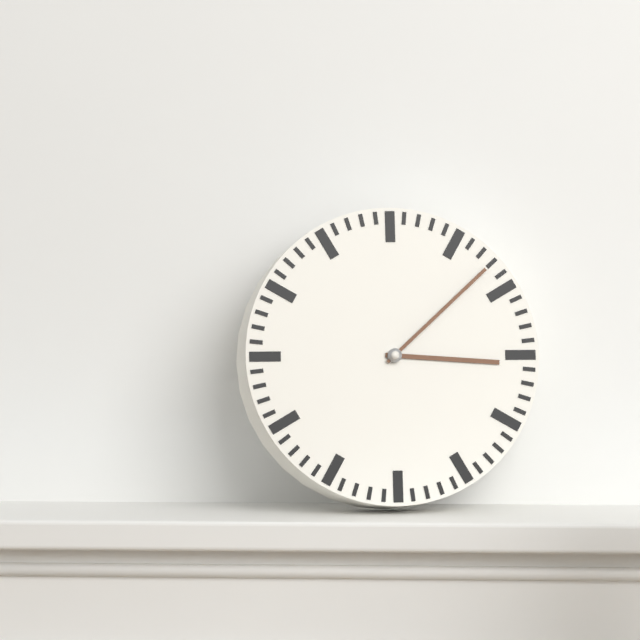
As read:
{"hour": 3, "minute": 8}
